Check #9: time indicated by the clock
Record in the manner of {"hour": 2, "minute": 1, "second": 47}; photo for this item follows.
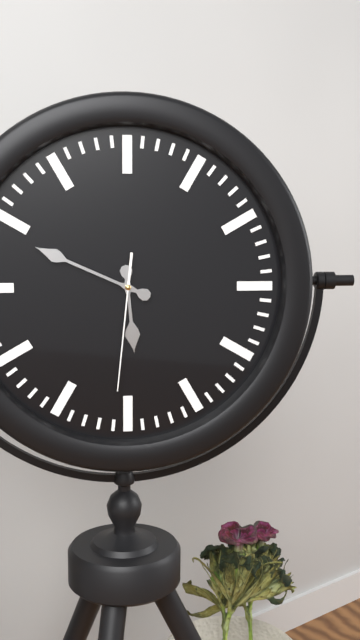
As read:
{"hour": 5, "minute": 49, "second": 31}
